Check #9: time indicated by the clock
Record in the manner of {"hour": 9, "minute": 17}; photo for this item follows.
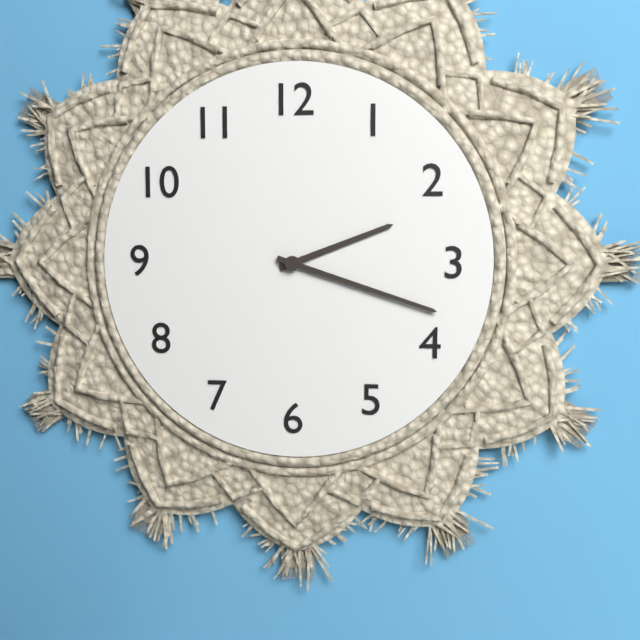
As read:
{"hour": 2, "minute": 18}
